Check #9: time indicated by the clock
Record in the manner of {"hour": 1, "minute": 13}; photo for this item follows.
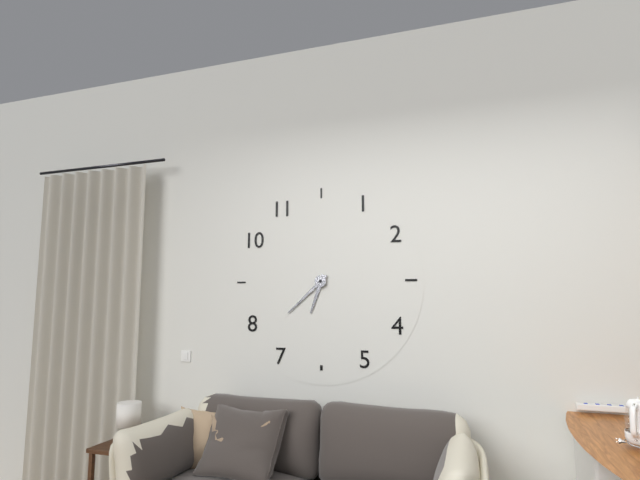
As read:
{"hour": 6, "minute": 38}
